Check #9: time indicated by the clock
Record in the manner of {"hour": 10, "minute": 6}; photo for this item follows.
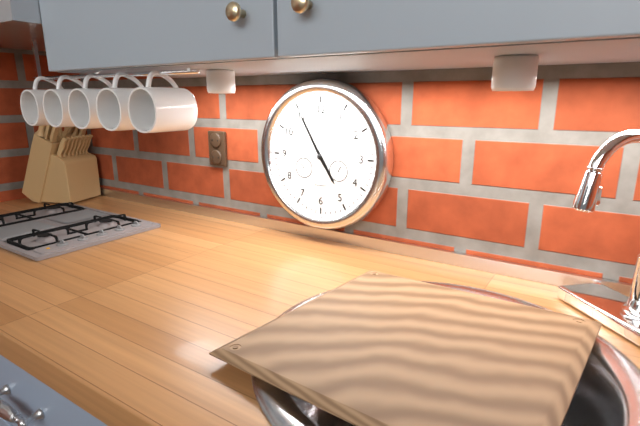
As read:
{"hour": 4, "minute": 55}
